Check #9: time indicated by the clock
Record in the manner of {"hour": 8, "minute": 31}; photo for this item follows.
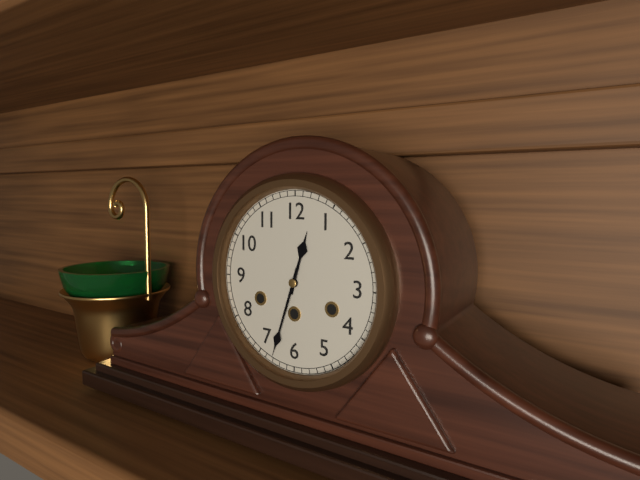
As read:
{"hour": 12, "minute": 33}
